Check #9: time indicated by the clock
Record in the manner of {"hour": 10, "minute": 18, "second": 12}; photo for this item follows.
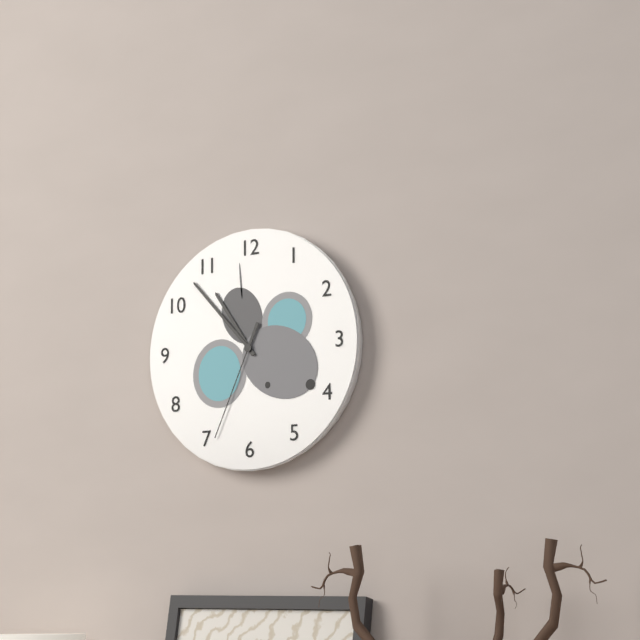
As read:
{"hour": 10, "minute": 53, "second": 34}
